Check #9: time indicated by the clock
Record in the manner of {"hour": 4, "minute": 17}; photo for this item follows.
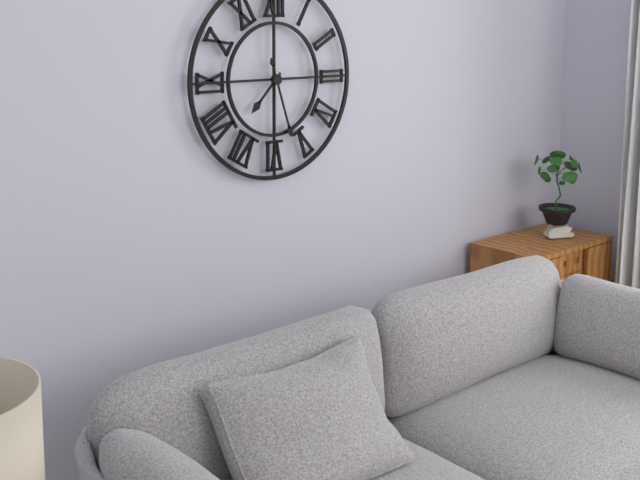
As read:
{"hour": 7, "minute": 27}
